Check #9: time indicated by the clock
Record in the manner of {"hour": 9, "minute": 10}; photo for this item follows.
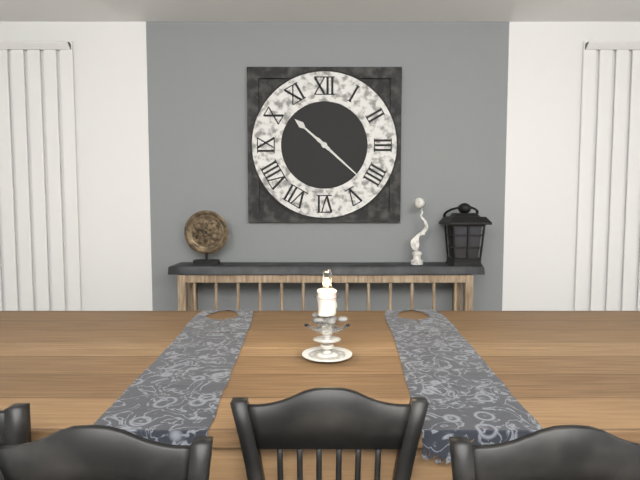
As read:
{"hour": 10, "minute": 22}
